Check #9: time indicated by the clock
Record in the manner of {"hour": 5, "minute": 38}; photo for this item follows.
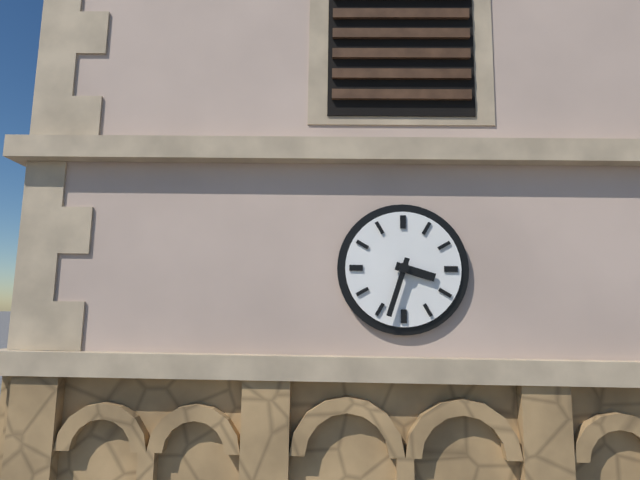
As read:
{"hour": 3, "minute": 33}
